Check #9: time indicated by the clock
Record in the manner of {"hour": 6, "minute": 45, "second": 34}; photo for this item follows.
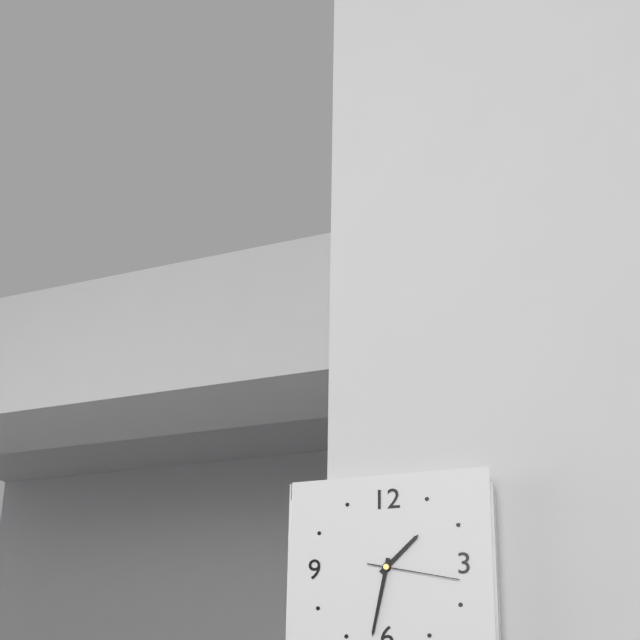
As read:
{"hour": 1, "minute": 32, "second": 17}
